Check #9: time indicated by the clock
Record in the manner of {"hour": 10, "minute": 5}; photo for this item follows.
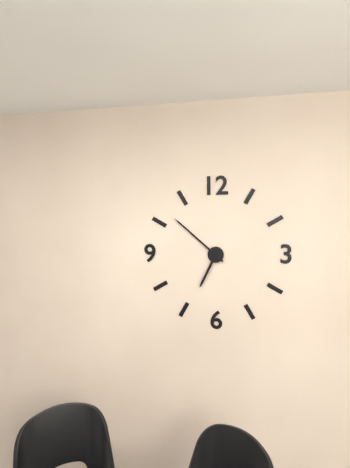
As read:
{"hour": 6, "minute": 52}
